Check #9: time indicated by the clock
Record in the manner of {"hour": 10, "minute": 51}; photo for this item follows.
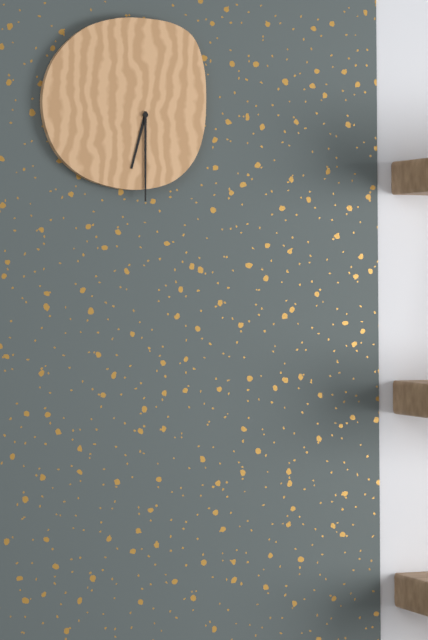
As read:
{"hour": 6, "minute": 30}
